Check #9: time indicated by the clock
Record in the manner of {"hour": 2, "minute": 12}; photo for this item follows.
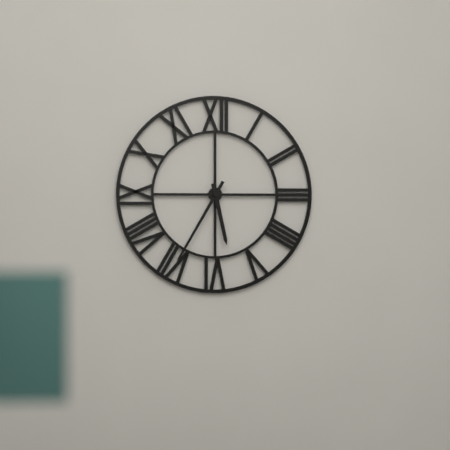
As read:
{"hour": 5, "minute": 35}
